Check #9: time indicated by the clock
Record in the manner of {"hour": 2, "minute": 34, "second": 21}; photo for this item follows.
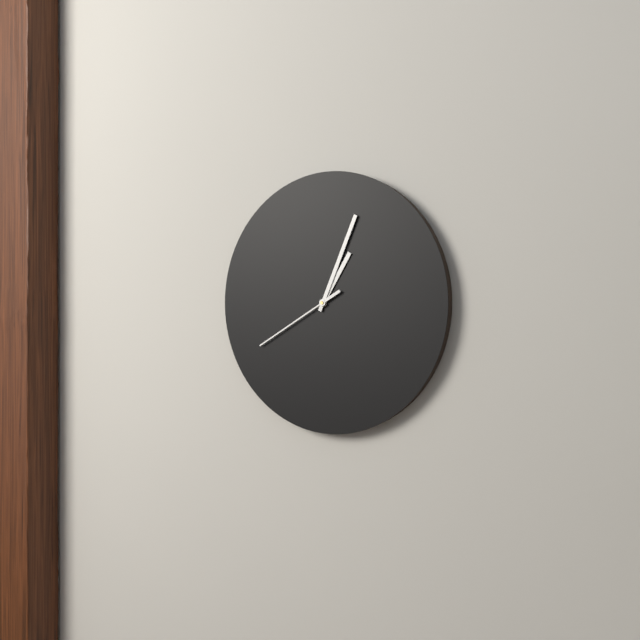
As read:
{"hour": 1, "minute": 4, "second": 40}
